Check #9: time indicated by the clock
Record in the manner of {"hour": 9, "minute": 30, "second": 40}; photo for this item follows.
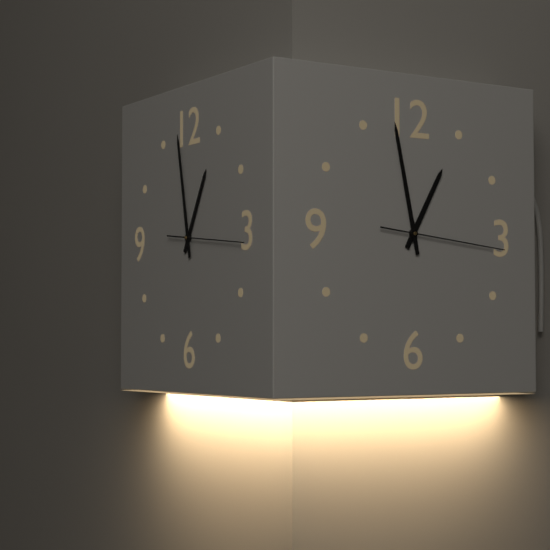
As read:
{"hour": 12, "minute": 58, "second": 16}
